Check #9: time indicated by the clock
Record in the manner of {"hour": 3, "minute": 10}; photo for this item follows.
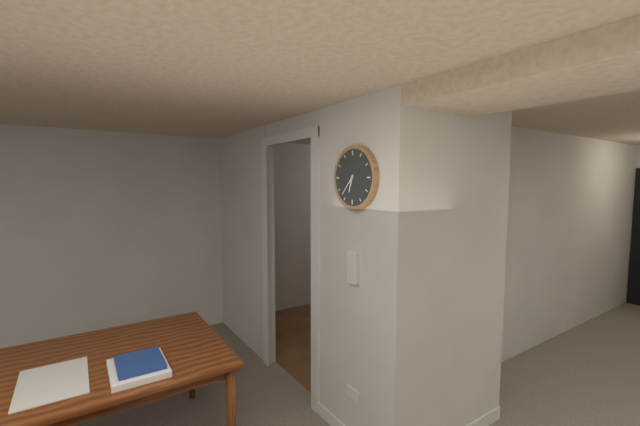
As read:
{"hour": 6, "minute": 37}
